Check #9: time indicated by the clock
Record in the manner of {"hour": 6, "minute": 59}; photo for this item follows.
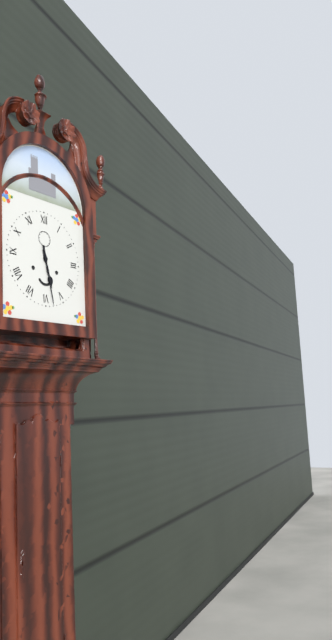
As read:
{"hour": 5, "minute": 28}
